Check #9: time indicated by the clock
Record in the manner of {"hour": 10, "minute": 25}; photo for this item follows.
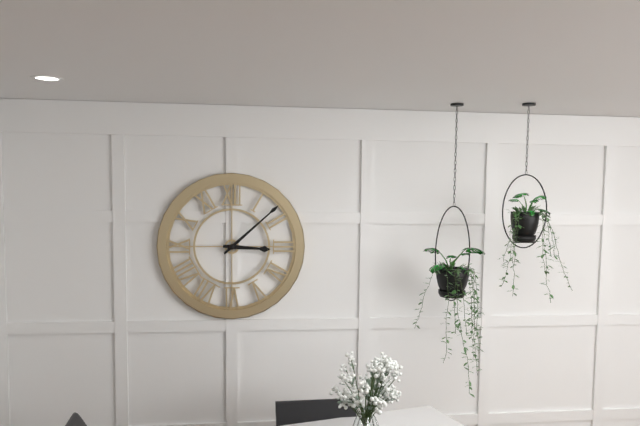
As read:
{"hour": 3, "minute": 8}
